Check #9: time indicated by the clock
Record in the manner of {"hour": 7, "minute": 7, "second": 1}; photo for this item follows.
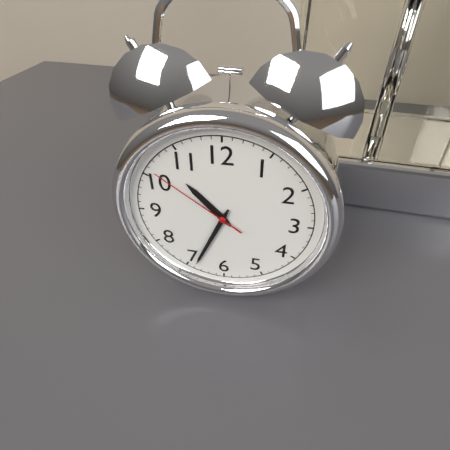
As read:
{"hour": 10, "minute": 34, "second": 51}
